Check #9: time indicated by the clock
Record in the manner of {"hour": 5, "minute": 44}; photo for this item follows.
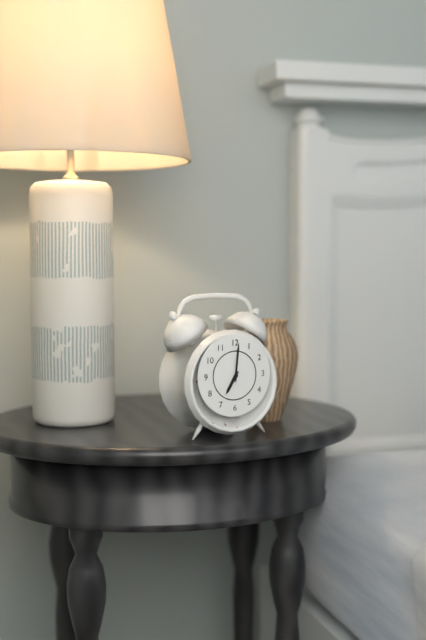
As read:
{"hour": 7, "minute": 1}
